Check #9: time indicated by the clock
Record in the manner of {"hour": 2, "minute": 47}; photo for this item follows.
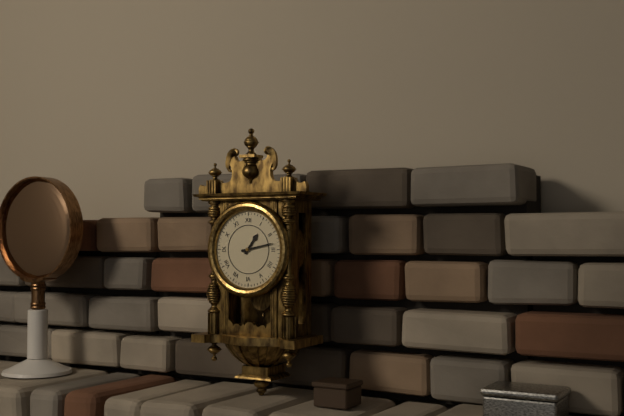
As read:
{"hour": 1, "minute": 13}
